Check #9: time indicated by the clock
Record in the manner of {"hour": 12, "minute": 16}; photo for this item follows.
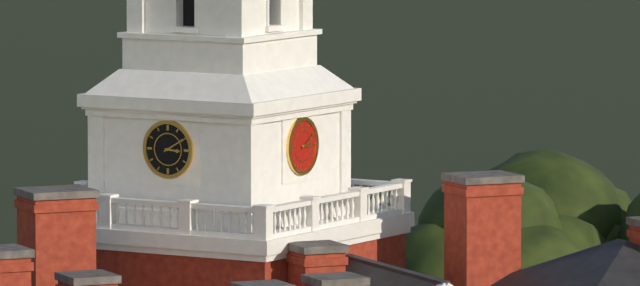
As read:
{"hour": 3, "minute": 10}
